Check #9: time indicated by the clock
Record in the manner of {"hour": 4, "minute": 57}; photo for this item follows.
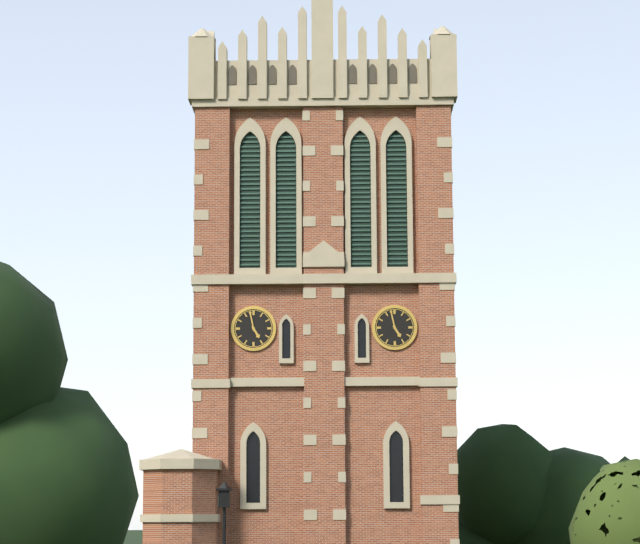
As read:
{"hour": 4, "minute": 58}
